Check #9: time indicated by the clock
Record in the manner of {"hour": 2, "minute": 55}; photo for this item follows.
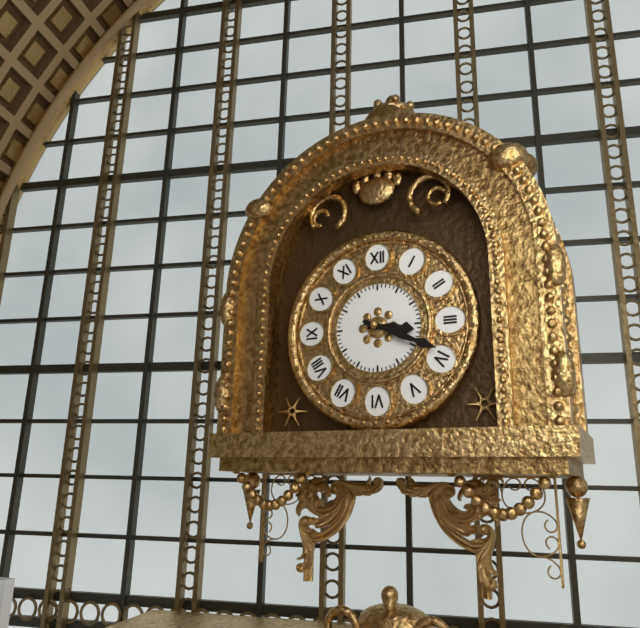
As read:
{"hour": 3, "minute": 19}
